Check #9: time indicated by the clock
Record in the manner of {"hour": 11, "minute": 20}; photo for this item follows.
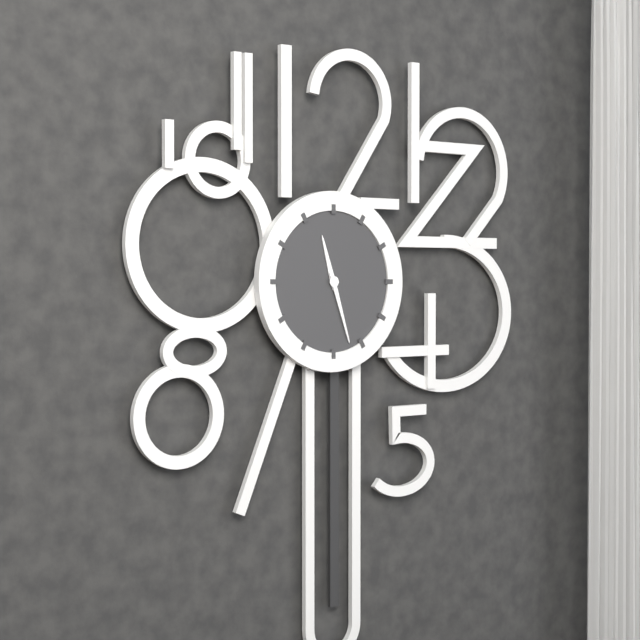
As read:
{"hour": 11, "minute": 27}
